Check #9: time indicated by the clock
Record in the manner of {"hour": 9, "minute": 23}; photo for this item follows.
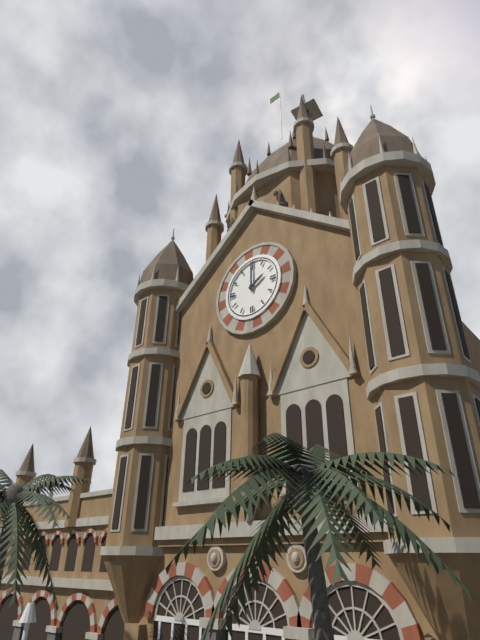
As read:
{"hour": 2, "minute": 0}
